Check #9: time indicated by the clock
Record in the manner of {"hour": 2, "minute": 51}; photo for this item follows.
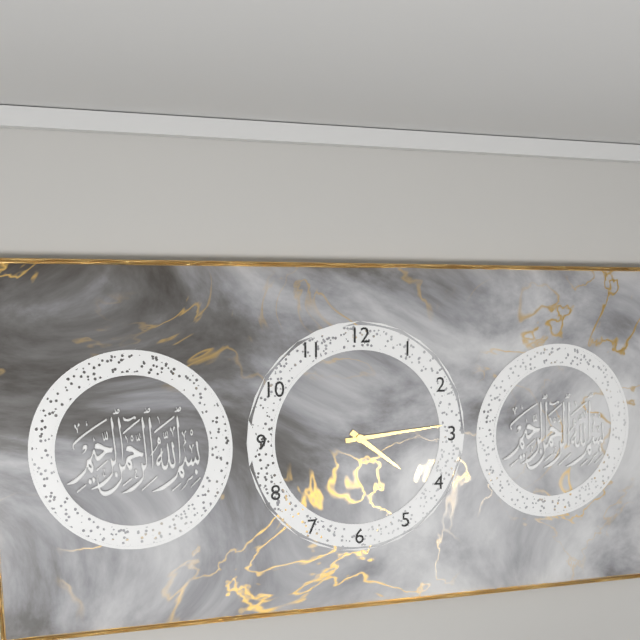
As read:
{"hour": 4, "minute": 14}
